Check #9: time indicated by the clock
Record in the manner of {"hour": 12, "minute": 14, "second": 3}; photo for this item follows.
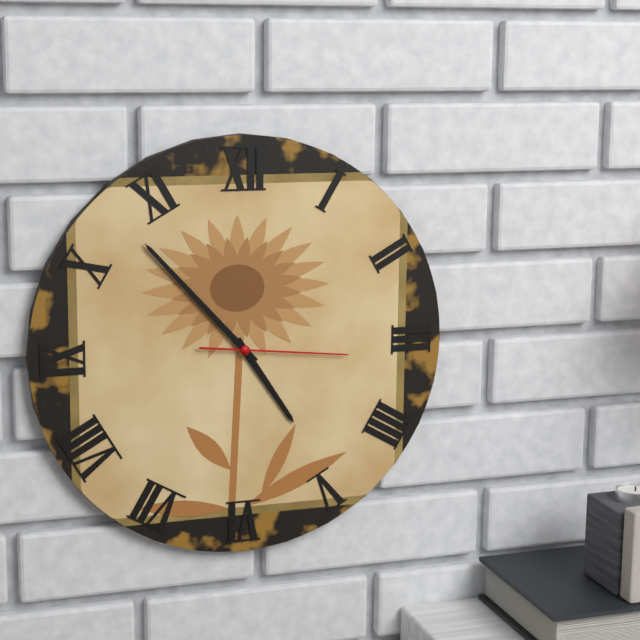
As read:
{"hour": 4, "minute": 53, "second": 16}
